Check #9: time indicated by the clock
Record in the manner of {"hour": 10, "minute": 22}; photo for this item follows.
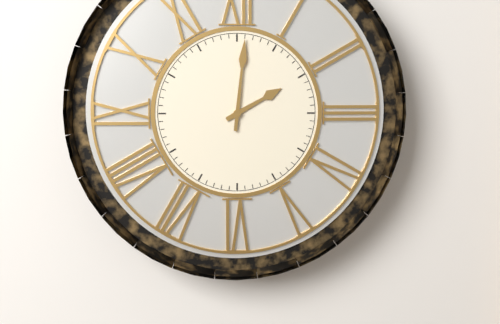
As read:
{"hour": 2, "minute": 1}
